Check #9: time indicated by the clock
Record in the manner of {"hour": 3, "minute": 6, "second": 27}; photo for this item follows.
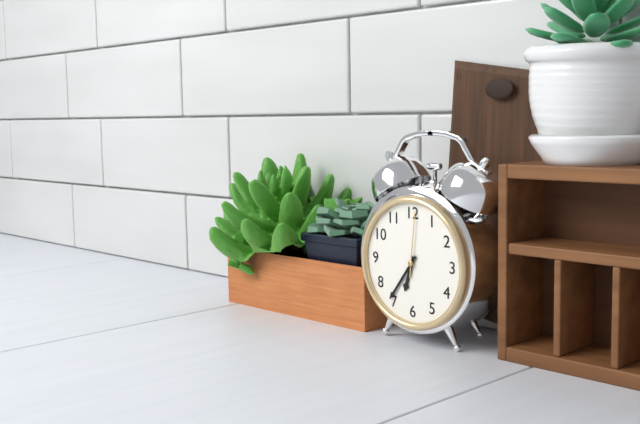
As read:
{"hour": 6, "minute": 36, "second": 1}
